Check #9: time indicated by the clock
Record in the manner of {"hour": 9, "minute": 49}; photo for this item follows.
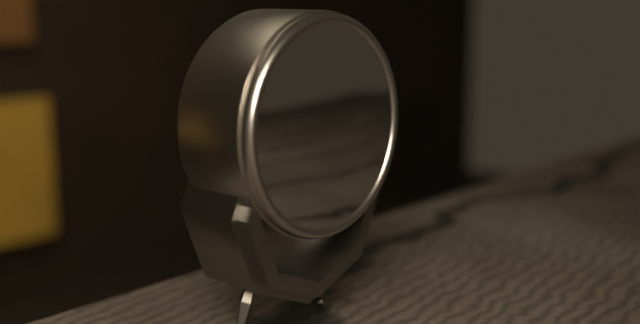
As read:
{"hour": 3, "minute": 53}
